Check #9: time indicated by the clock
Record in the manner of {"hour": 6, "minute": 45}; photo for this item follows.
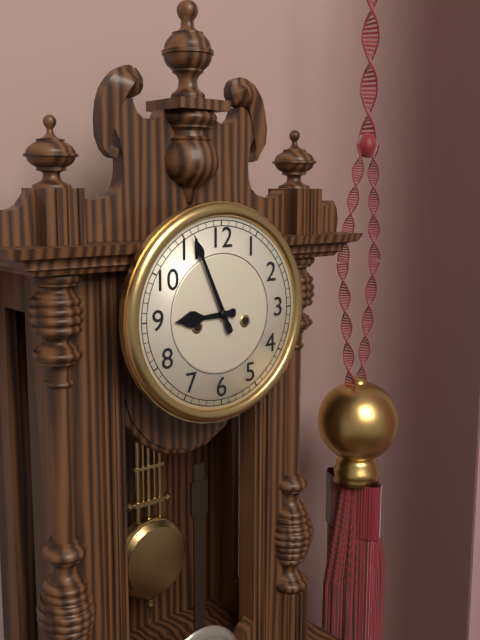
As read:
{"hour": 8, "minute": 56}
